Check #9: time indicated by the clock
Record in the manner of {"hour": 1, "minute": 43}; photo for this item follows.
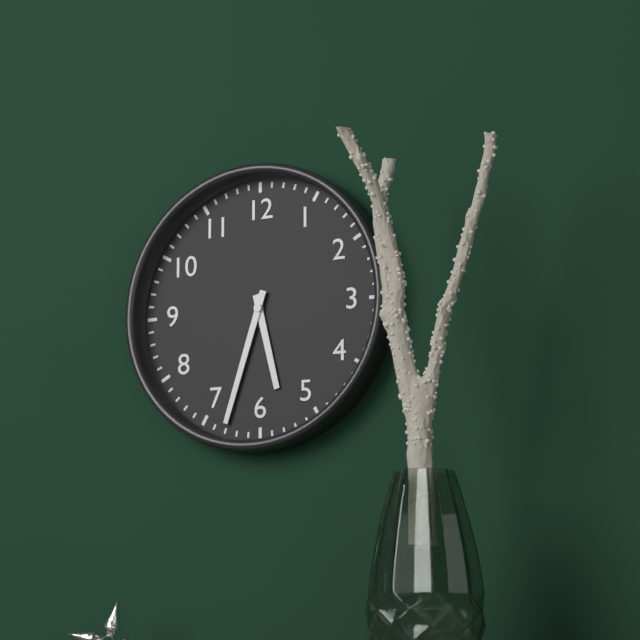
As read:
{"hour": 5, "minute": 33}
